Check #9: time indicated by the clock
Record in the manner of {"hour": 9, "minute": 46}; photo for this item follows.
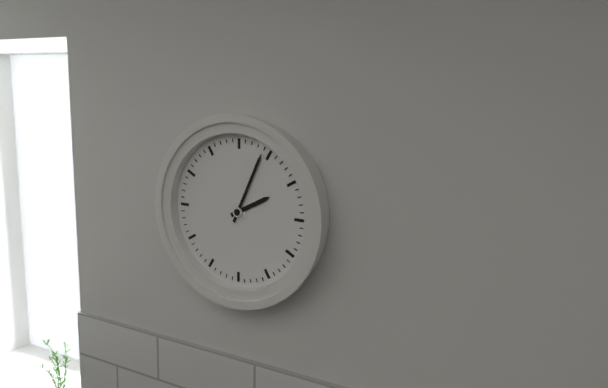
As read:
{"hour": 2, "minute": 4}
